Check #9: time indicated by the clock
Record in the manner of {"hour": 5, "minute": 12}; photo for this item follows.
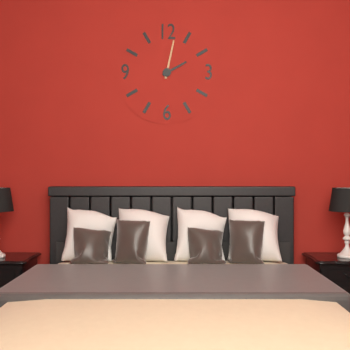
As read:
{"hour": 2, "minute": 2}
